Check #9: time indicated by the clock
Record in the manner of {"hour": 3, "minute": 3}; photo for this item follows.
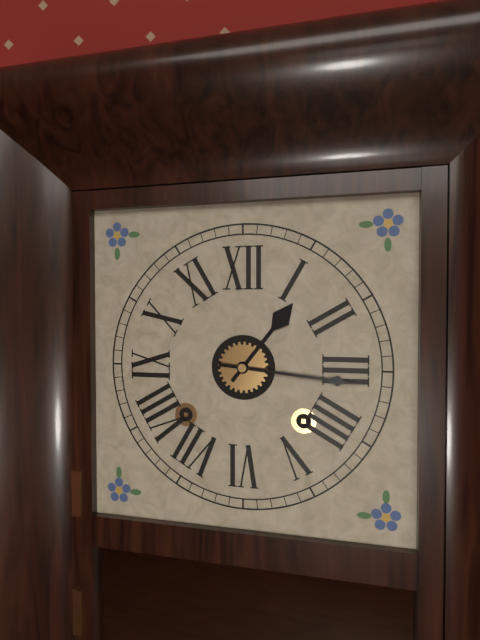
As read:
{"hour": 1, "minute": 16}
